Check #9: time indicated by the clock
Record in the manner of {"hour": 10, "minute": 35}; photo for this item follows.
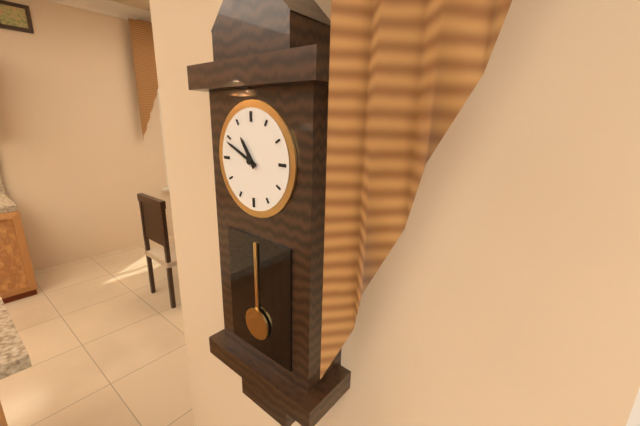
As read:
{"hour": 10, "minute": 49}
